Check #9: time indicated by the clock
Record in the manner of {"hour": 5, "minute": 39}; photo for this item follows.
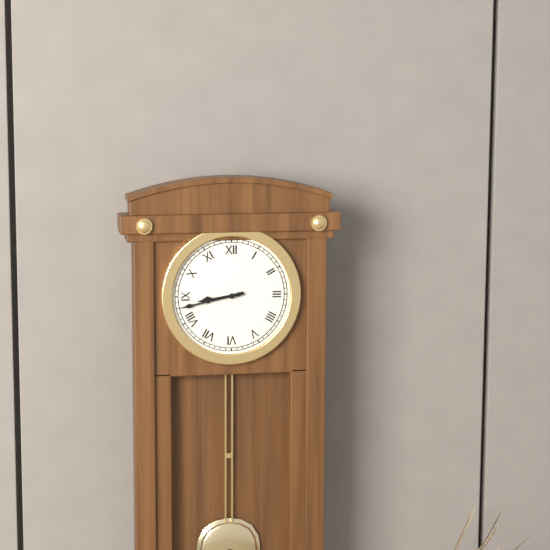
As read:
{"hour": 8, "minute": 43}
